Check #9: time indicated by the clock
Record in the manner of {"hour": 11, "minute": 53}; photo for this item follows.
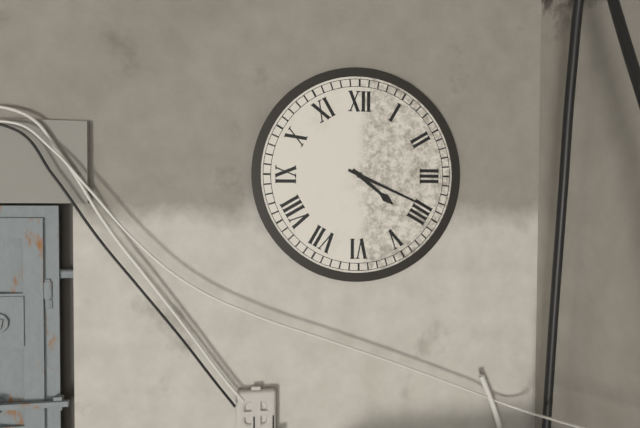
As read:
{"hour": 4, "minute": 19}
